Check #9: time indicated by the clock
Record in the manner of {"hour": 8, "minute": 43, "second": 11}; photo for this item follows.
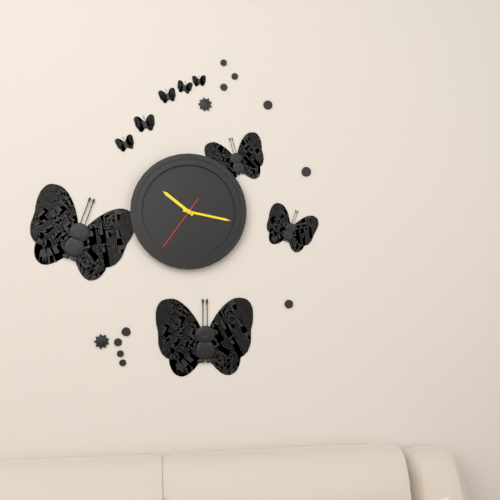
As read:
{"hour": 10, "minute": 17, "second": 36}
